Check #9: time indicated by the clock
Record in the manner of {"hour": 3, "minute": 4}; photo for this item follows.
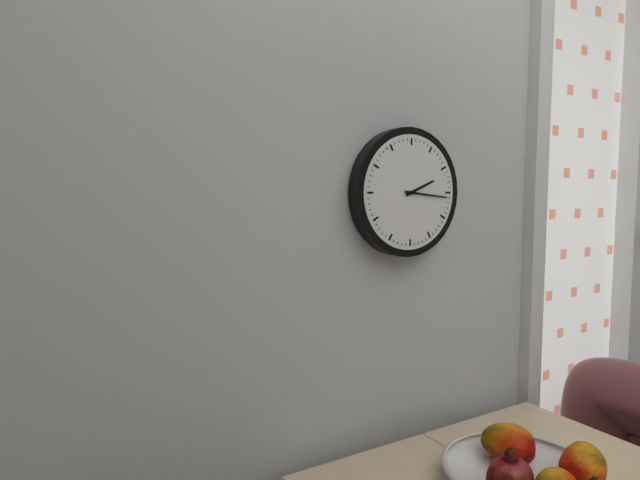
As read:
{"hour": 2, "minute": 16}
